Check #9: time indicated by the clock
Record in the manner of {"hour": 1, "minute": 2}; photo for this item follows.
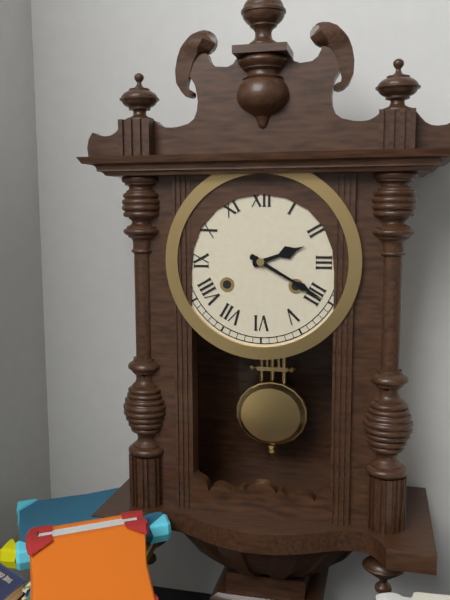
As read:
{"hour": 2, "minute": 20}
